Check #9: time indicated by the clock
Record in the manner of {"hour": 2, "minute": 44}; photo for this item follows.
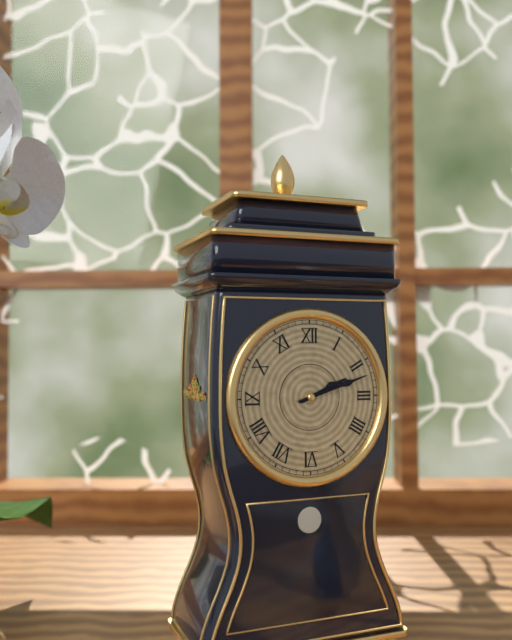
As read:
{"hour": 2, "minute": 12}
